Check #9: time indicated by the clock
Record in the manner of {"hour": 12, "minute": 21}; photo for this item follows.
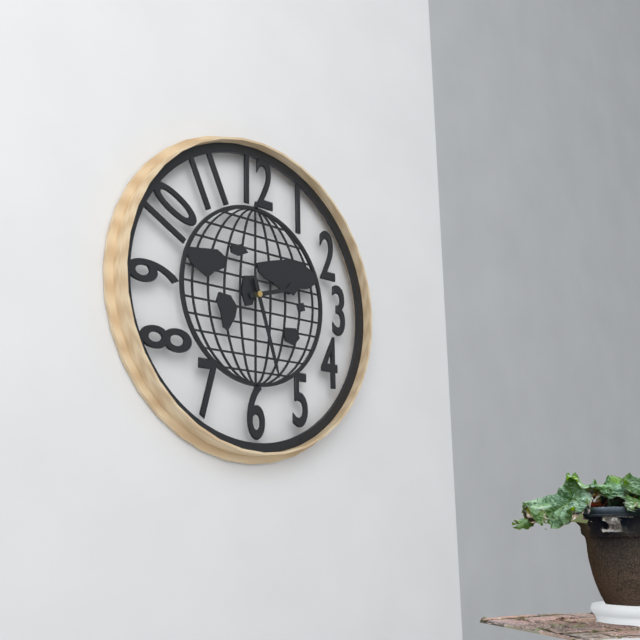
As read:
{"hour": 2, "minute": 27}
